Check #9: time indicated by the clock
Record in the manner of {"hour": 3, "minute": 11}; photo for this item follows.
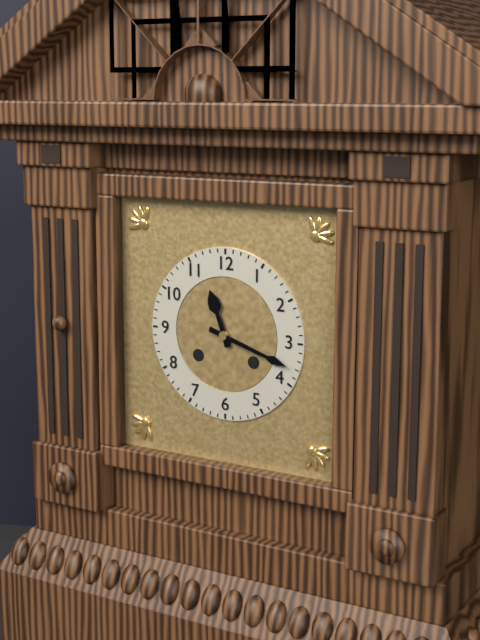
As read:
{"hour": 11, "minute": 18}
